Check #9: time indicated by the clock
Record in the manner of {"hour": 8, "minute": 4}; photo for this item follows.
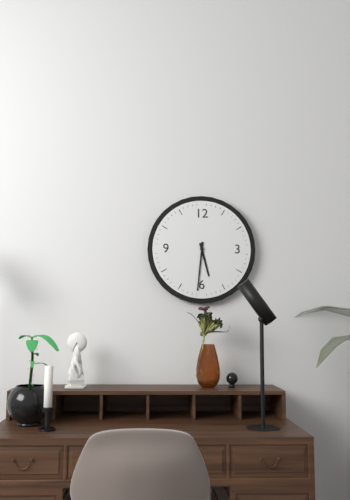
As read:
{"hour": 5, "minute": 31}
